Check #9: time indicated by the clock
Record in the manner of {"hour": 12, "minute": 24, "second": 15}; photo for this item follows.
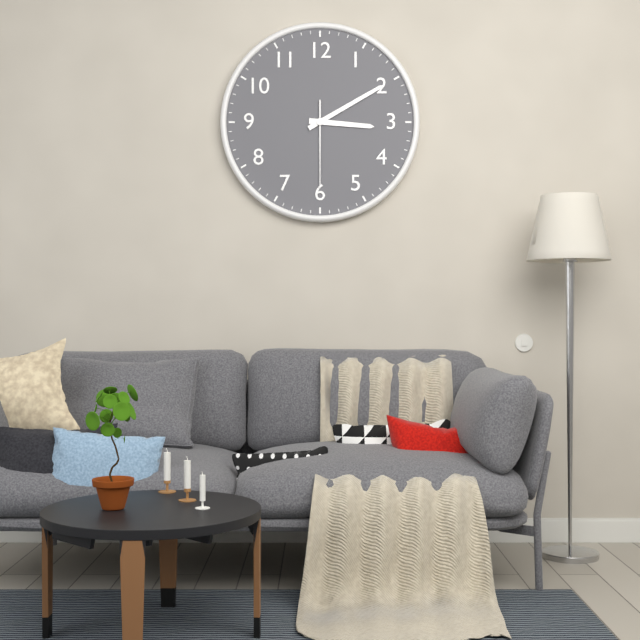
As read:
{"hour": 3, "minute": 10, "second": 30}
